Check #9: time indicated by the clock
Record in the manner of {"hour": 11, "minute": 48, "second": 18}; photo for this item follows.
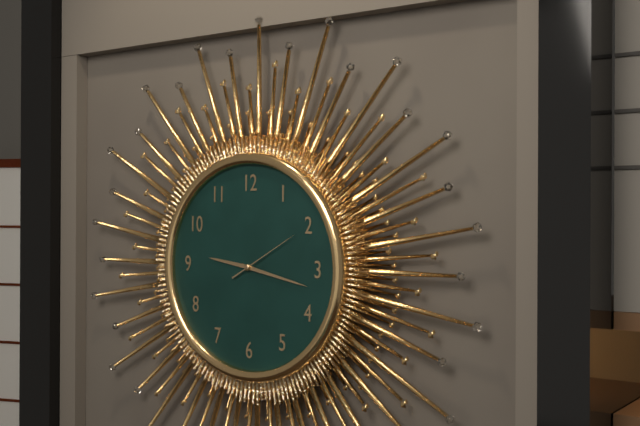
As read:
{"hour": 9, "minute": 17, "second": 10}
